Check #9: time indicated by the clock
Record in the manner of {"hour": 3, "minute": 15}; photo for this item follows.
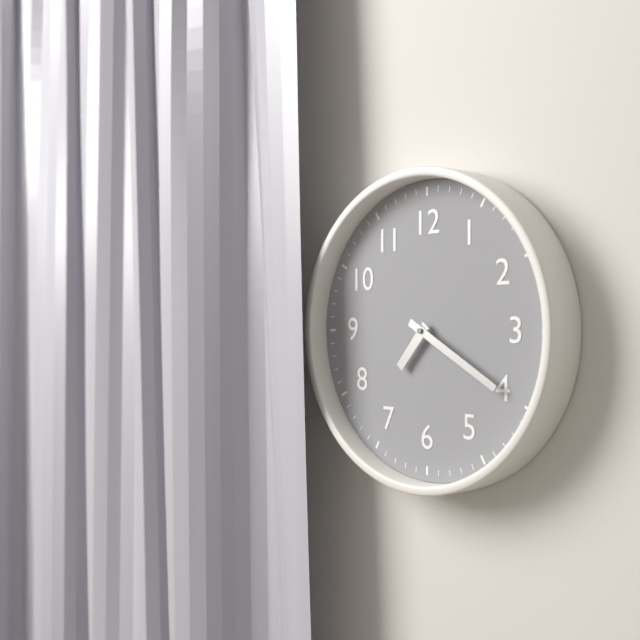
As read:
{"hour": 7, "minute": 20}
